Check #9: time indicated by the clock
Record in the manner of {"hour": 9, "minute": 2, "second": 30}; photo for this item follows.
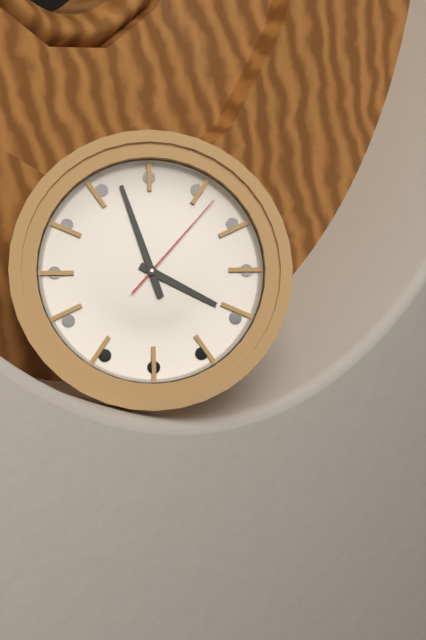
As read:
{"hour": 3, "minute": 57, "second": 7}
